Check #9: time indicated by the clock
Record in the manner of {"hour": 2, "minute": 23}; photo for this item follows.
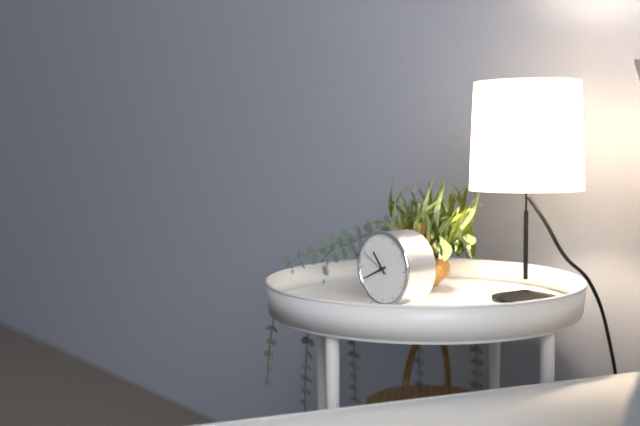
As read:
{"hour": 10, "minute": 41}
